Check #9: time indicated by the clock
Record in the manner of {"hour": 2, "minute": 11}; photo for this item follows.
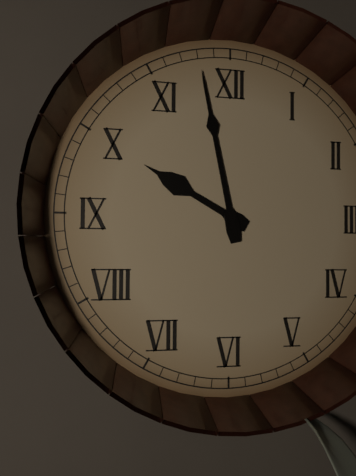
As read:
{"hour": 9, "minute": 58}
